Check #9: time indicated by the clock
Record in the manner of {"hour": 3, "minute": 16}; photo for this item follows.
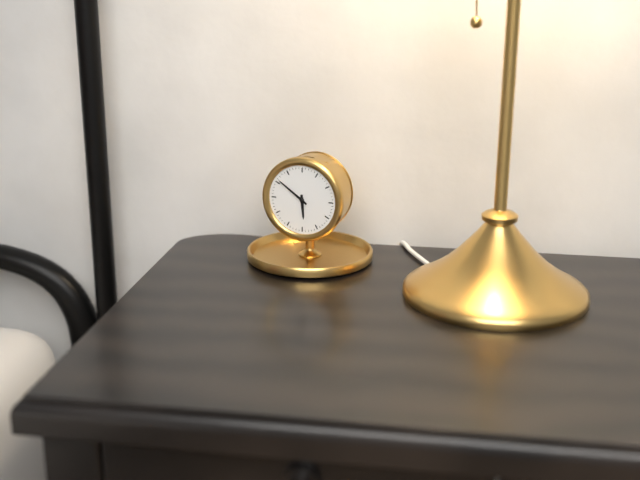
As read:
{"hour": 5, "minute": 51}
